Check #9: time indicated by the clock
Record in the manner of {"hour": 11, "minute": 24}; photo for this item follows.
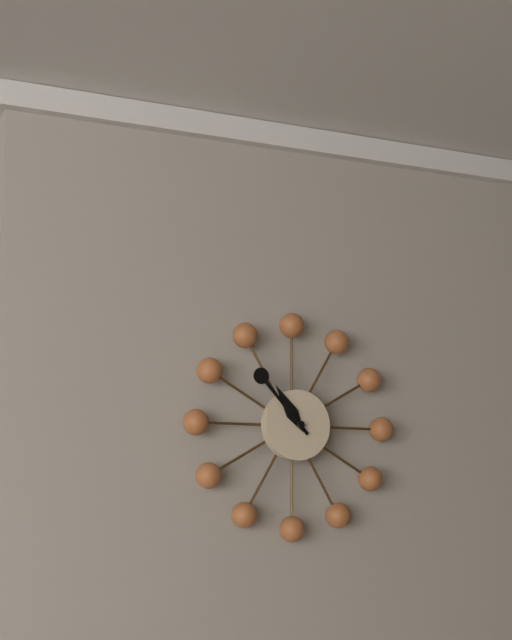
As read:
{"hour": 10, "minute": 53}
